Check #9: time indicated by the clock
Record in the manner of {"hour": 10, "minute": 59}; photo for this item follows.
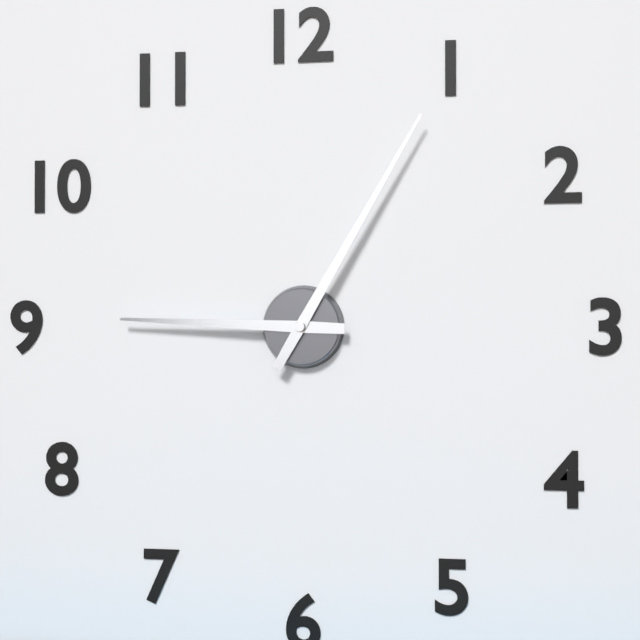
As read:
{"hour": 9, "minute": 5}
